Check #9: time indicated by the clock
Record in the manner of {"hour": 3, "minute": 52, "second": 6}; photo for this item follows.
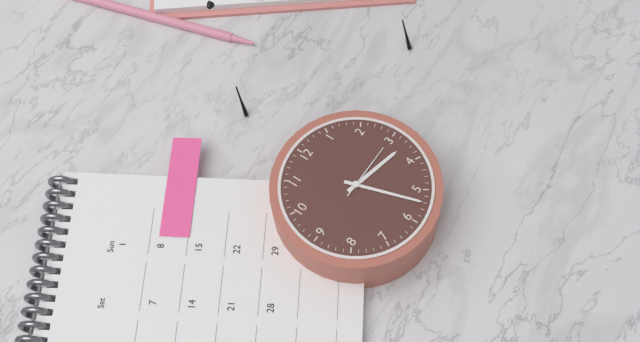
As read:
{"hour": 3, "minute": 27, "second": 15}
